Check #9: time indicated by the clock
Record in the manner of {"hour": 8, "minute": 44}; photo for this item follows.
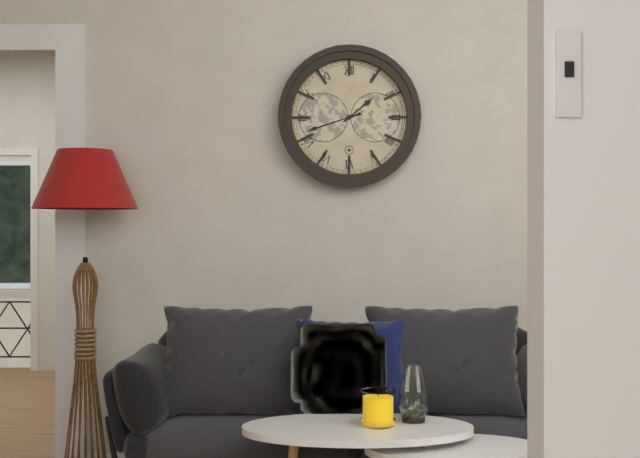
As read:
{"hour": 1, "minute": 42}
